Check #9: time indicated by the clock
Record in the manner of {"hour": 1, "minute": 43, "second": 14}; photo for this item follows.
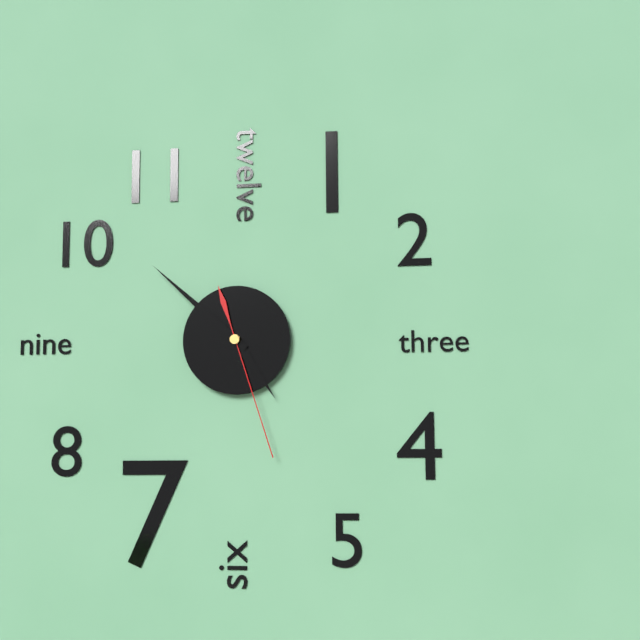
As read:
{"hour": 4, "minute": 52, "second": 27}
